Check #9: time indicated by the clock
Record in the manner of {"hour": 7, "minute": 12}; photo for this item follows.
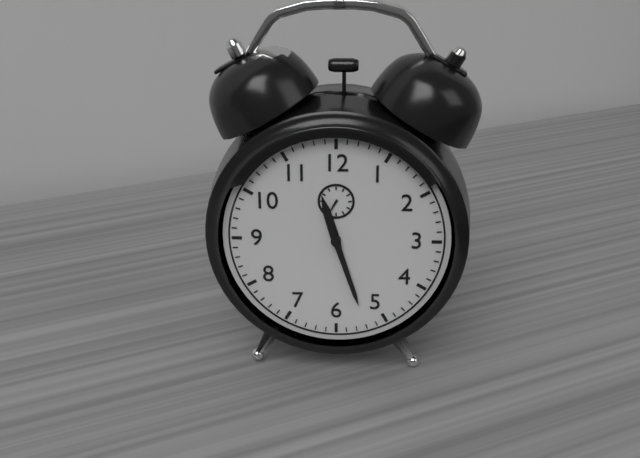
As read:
{"hour": 11, "minute": 27}
